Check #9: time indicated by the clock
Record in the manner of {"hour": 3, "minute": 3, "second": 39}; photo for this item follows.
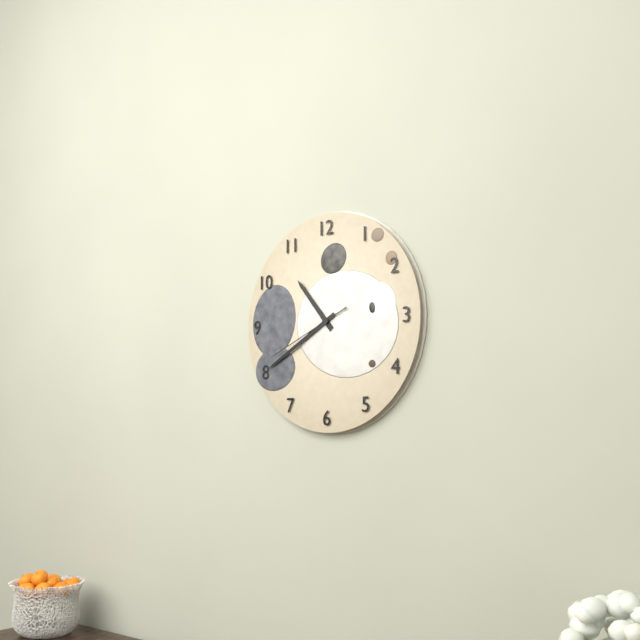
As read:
{"hour": 10, "minute": 40, "second": 41}
